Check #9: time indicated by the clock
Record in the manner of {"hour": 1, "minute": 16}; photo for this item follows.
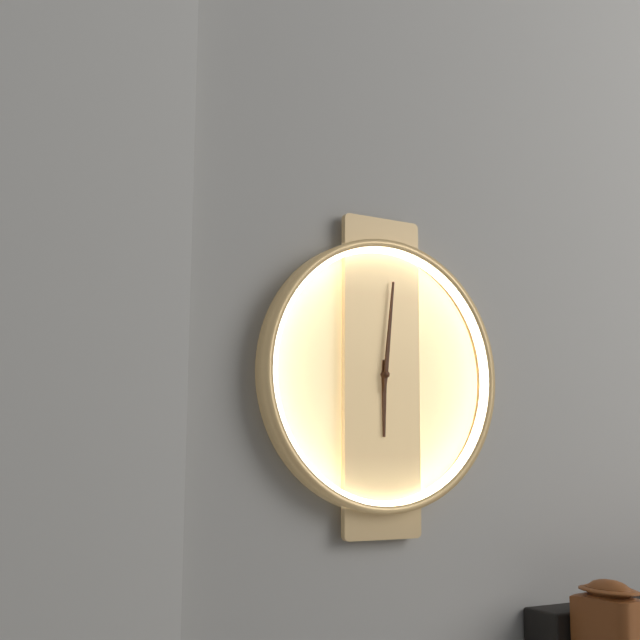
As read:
{"hour": 6, "minute": 1}
